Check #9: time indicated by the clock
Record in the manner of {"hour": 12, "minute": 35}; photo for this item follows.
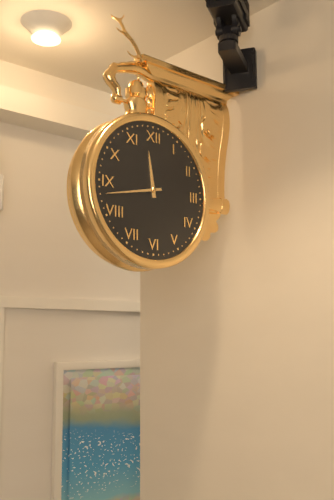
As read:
{"hour": 11, "minute": 43}
